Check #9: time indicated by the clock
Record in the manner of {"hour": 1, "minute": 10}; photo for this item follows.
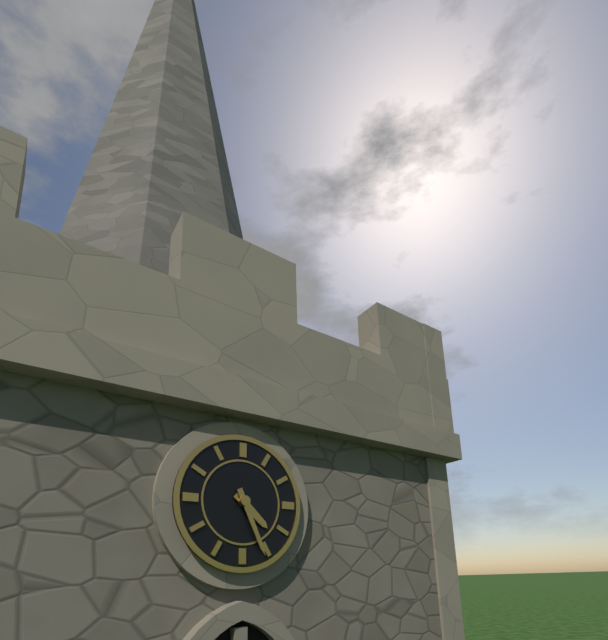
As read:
{"hour": 4, "minute": 26}
